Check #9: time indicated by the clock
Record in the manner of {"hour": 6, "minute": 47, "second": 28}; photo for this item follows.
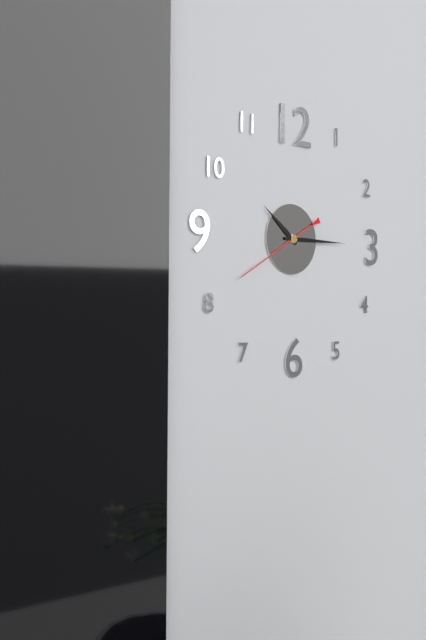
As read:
{"hour": 10, "minute": 15, "second": 40}
